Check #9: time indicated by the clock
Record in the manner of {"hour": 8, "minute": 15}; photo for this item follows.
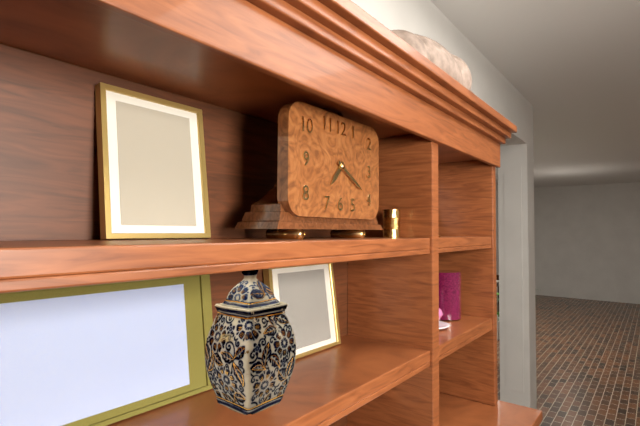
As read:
{"hour": 7, "minute": 20}
